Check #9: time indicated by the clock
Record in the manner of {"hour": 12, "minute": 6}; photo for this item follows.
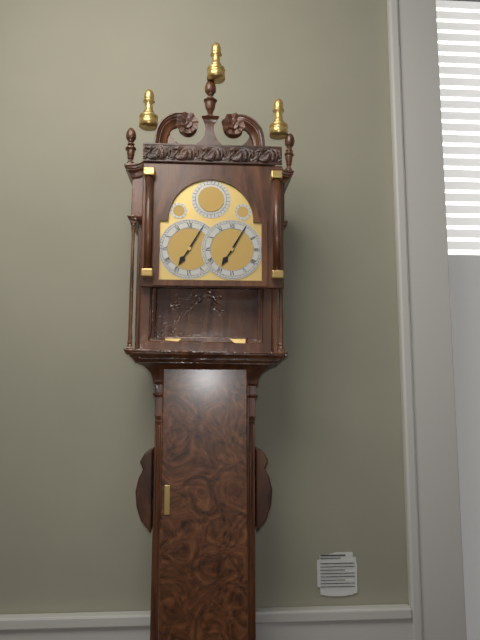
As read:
{"hour": 7, "minute": 5}
